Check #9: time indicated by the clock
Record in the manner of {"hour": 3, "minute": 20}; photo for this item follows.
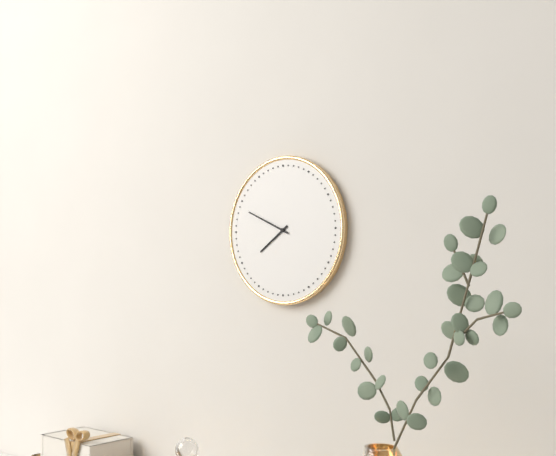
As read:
{"hour": 7, "minute": 49}
